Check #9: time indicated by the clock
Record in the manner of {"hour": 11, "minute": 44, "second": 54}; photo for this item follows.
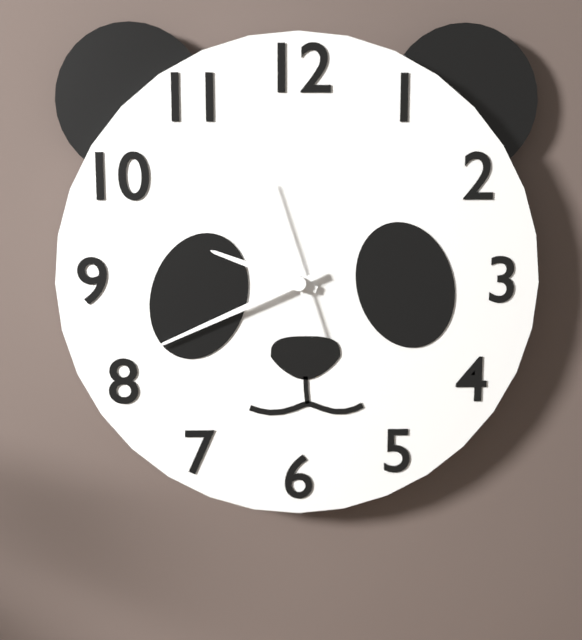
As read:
{"hour": 9, "minute": 41, "second": 57}
